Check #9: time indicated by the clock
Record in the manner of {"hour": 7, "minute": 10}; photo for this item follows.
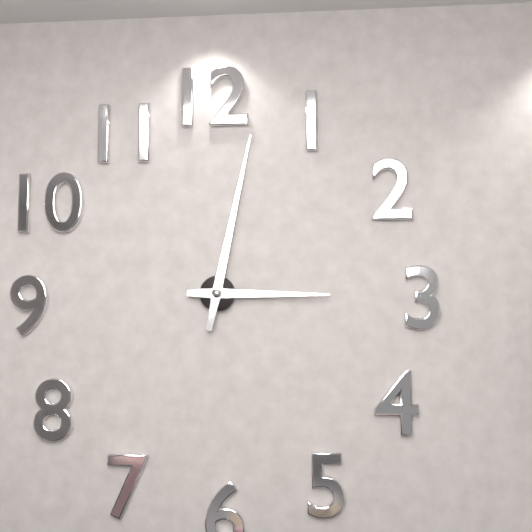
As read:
{"hour": 3, "minute": 2}
